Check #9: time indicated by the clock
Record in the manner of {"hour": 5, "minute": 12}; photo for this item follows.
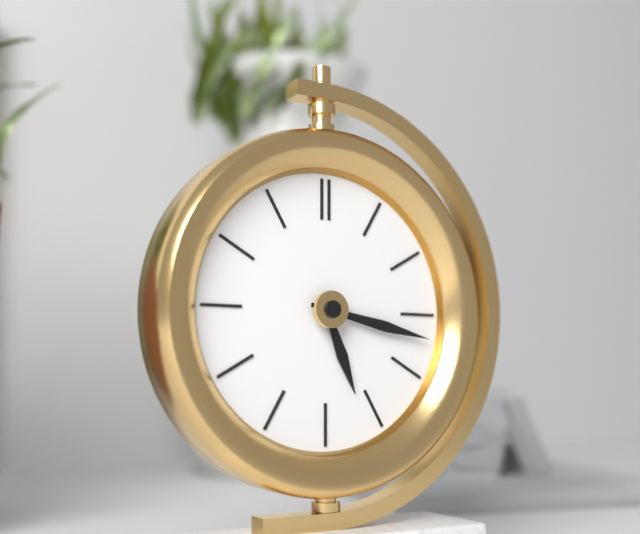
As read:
{"hour": 5, "minute": 17}
